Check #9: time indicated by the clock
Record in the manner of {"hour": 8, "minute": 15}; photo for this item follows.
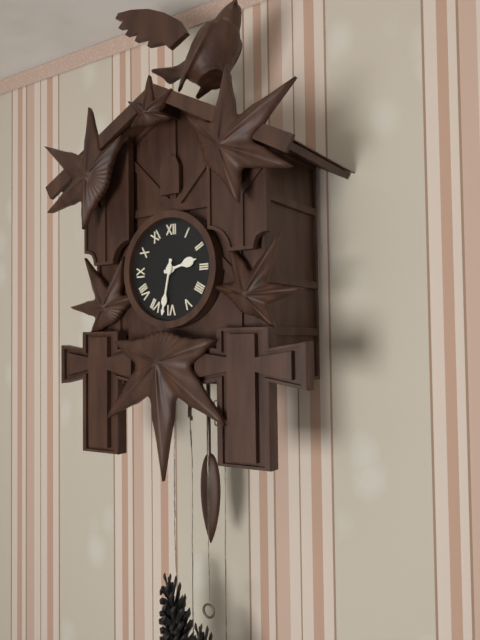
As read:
{"hour": 2, "minute": 32}
